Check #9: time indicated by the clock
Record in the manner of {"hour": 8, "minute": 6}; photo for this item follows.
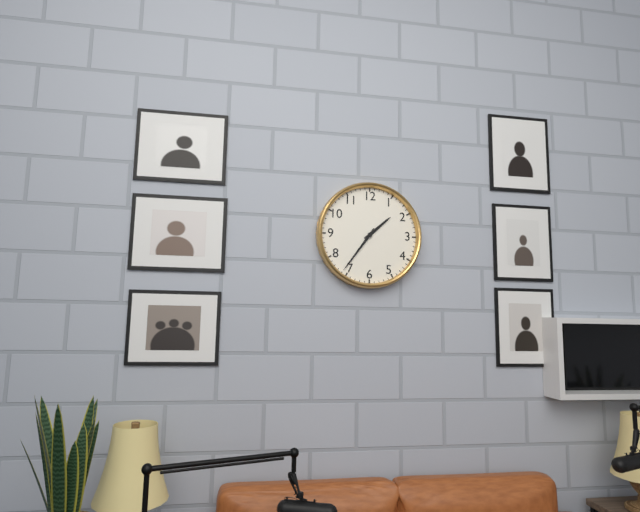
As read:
{"hour": 1, "minute": 36}
